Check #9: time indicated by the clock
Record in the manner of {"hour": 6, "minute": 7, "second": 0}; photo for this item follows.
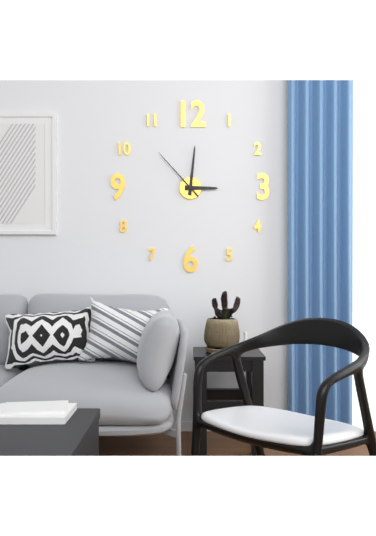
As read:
{"hour": 3, "minute": 1, "second": 53}
